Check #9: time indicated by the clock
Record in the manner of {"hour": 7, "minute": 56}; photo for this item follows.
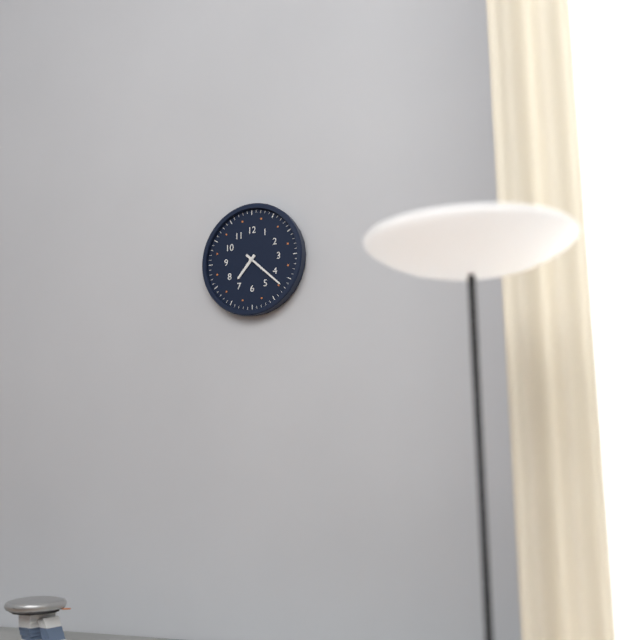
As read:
{"hour": 7, "minute": 22}
